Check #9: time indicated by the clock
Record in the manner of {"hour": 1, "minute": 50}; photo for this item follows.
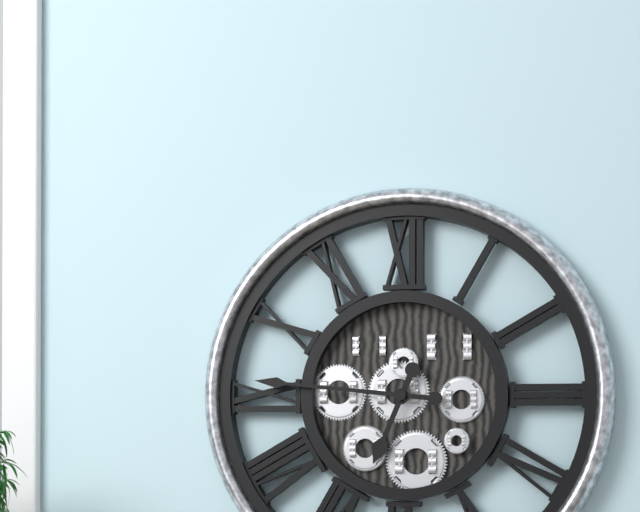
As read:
{"hour": 6, "minute": 46}
